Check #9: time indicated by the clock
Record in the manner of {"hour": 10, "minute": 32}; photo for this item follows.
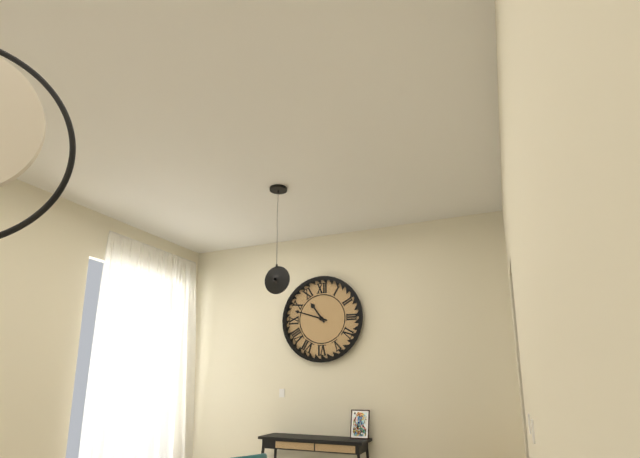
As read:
{"hour": 10, "minute": 48}
